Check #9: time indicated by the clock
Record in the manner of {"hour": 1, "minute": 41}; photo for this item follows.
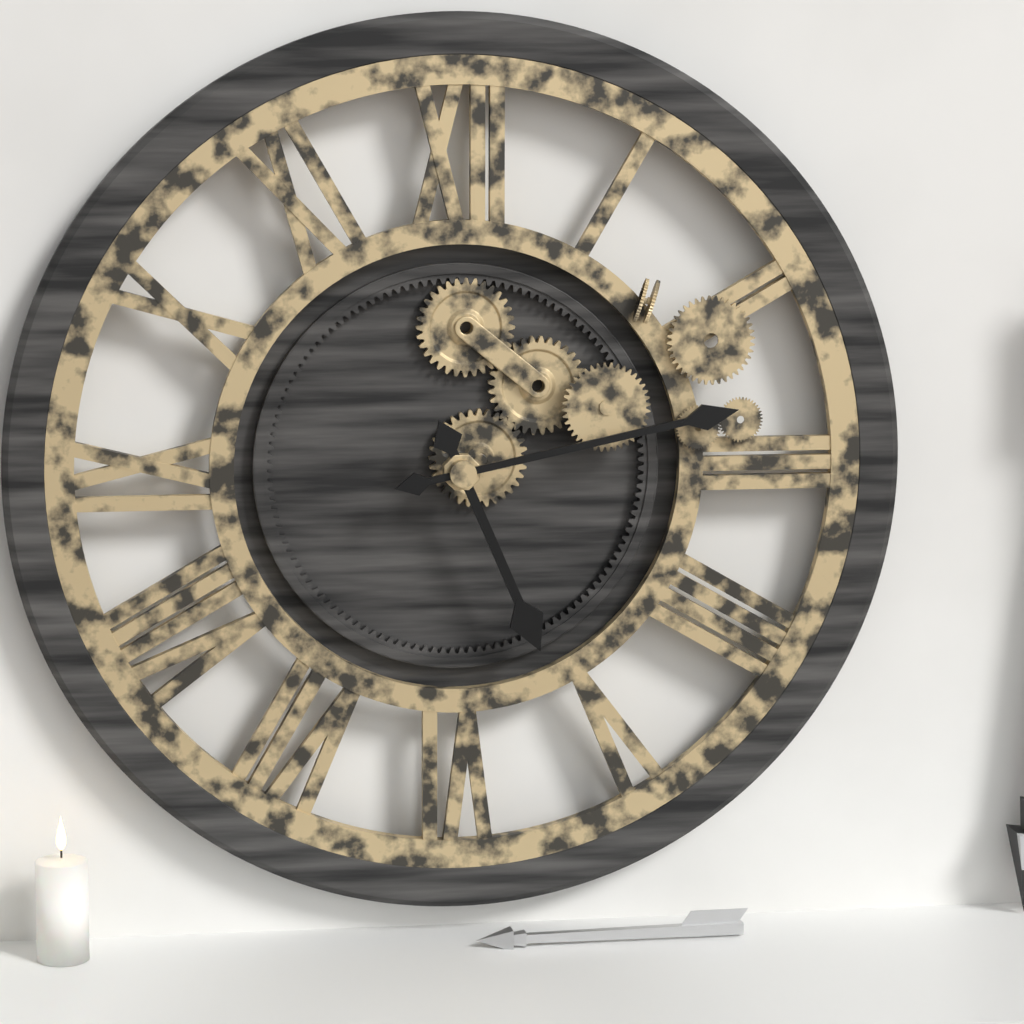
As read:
{"hour": 5, "minute": 13}
